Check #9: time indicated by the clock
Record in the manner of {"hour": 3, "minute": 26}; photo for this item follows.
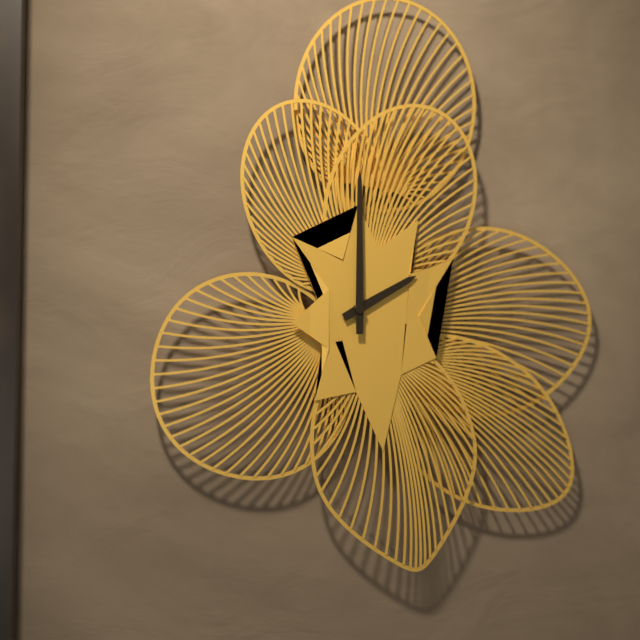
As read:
{"hour": 2, "minute": 0}
